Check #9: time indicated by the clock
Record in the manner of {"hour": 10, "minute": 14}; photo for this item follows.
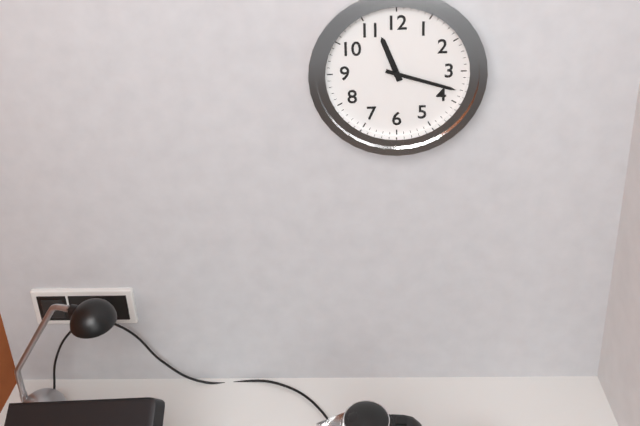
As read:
{"hour": 11, "minute": 18}
